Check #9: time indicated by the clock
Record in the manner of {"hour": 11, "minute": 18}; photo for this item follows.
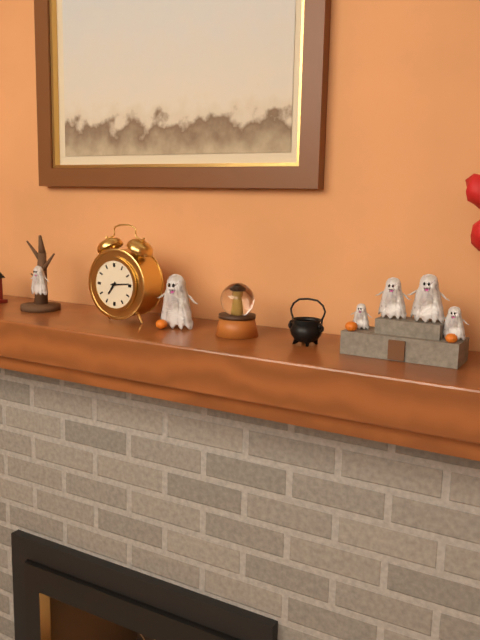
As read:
{"hour": 7, "minute": 14}
